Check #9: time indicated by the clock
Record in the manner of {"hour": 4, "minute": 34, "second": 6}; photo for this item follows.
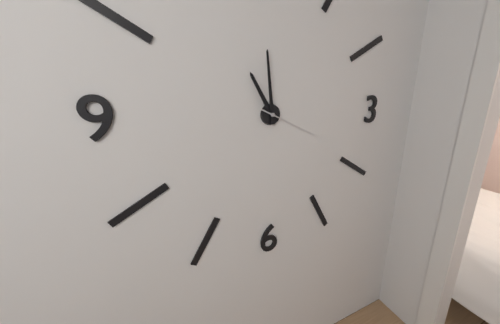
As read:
{"hour": 10, "minute": 59, "second": 19}
